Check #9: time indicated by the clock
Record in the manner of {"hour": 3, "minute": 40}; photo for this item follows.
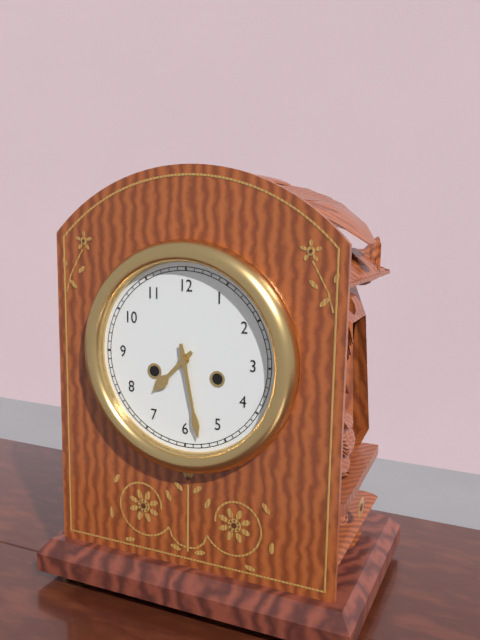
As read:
{"hour": 7, "minute": 28}
